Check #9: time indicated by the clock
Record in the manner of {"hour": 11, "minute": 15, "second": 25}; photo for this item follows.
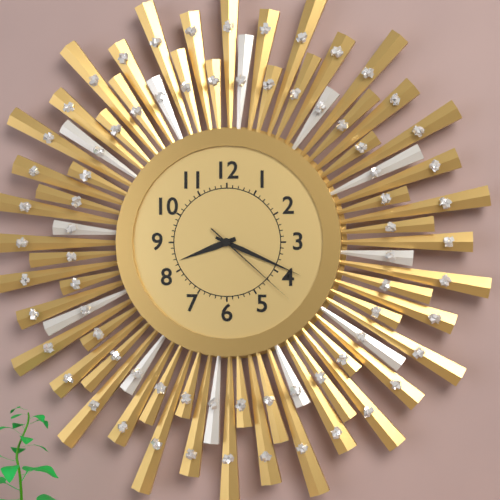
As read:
{"hour": 8, "minute": 19, "second": 22}
